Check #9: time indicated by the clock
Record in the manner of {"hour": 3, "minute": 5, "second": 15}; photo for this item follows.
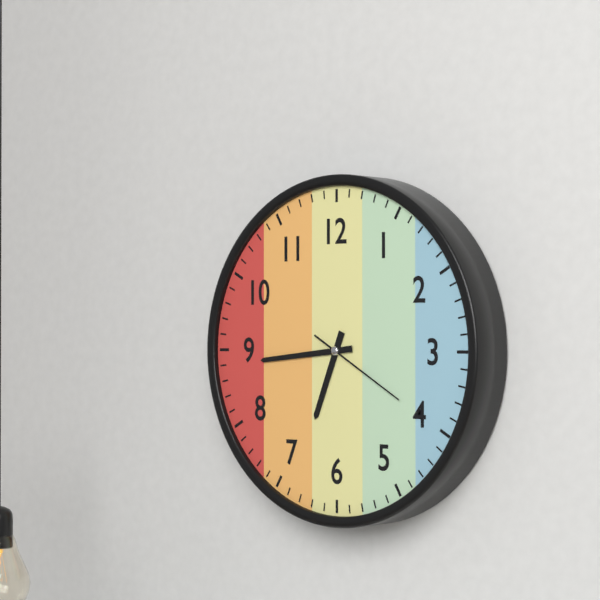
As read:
{"hour": 6, "minute": 44, "second": 20}
